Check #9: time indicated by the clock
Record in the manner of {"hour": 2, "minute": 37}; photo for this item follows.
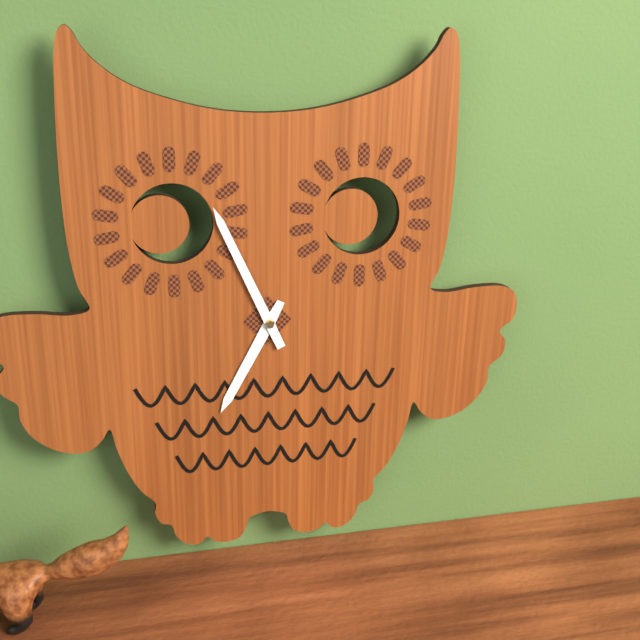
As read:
{"hour": 6, "minute": 56}
